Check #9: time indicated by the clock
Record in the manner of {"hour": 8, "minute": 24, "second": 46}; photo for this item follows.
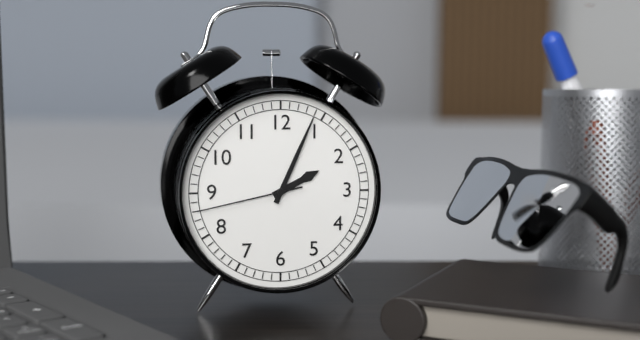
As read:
{"hour": 2, "minute": 4, "second": 43}
